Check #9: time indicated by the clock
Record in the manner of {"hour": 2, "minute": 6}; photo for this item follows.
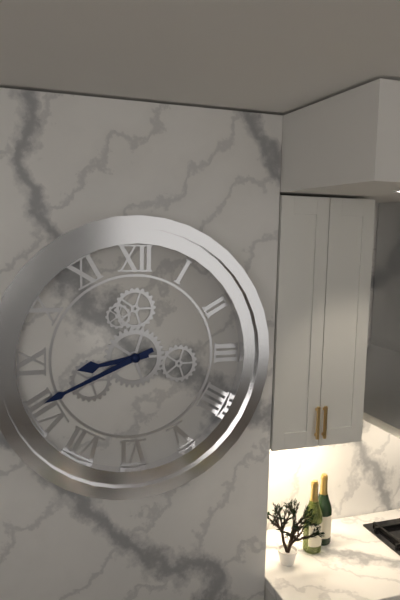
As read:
{"hour": 8, "minute": 41}
